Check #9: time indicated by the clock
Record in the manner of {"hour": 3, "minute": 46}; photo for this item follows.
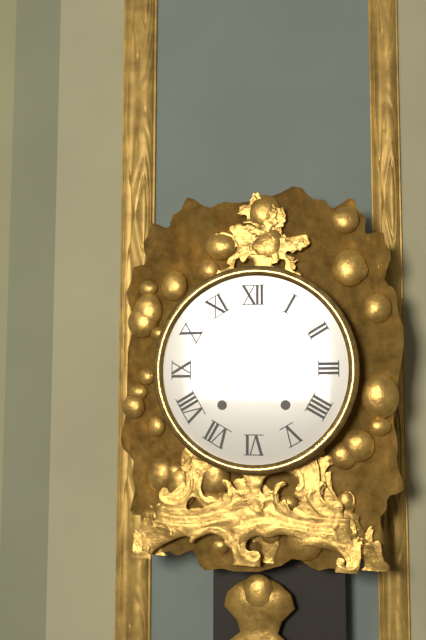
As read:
{"hour": 8, "minute": 9}
